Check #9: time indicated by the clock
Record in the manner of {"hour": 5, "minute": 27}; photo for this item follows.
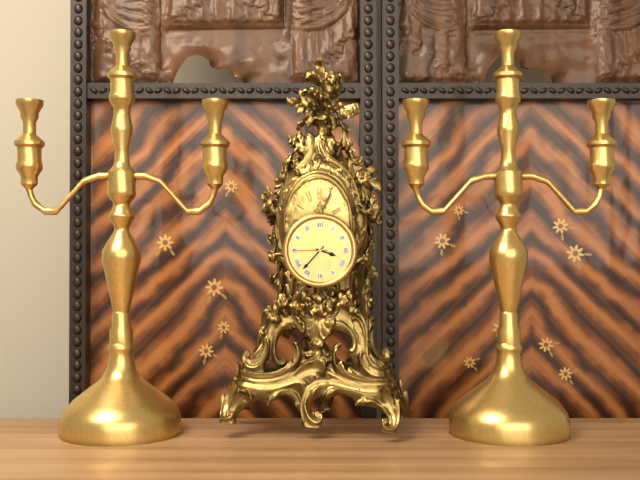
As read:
{"hour": 3, "minute": 37}
